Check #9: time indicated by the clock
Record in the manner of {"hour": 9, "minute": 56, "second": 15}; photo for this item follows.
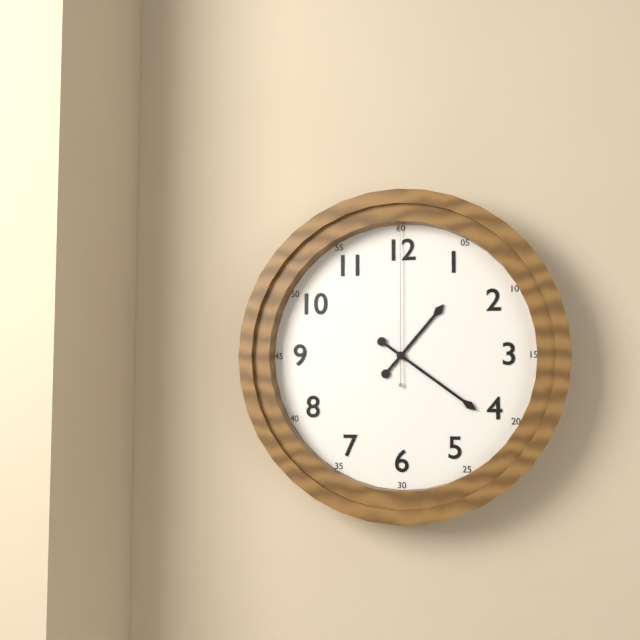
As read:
{"hour": 1, "minute": 21, "second": 0}
